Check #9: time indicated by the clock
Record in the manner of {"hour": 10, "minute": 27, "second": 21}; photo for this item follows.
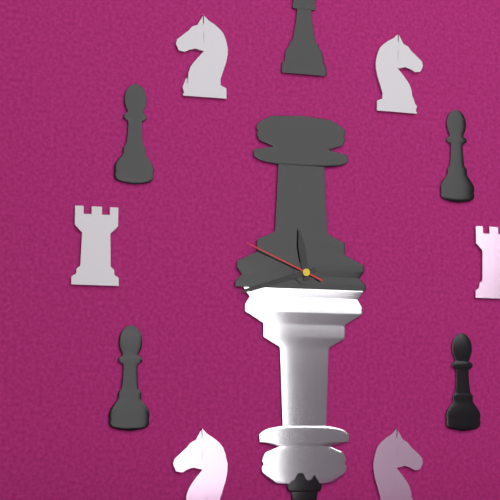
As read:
{"hour": 11, "minute": 42, "second": 49}
